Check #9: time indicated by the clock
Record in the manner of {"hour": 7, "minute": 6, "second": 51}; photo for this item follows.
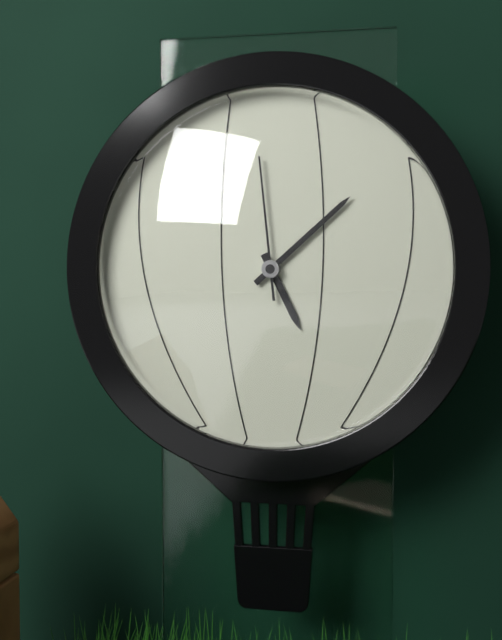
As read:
{"hour": 5, "minute": 8, "second": 59}
